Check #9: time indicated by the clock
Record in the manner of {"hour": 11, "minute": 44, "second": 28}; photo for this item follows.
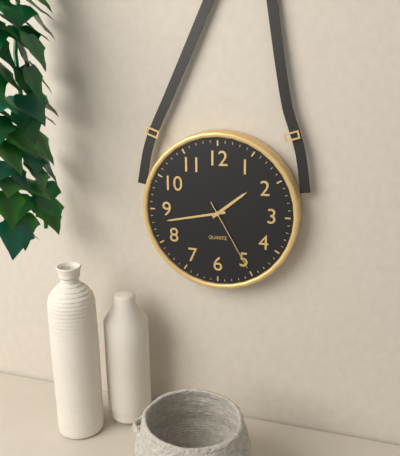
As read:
{"hour": 1, "minute": 43, "second": 25}
